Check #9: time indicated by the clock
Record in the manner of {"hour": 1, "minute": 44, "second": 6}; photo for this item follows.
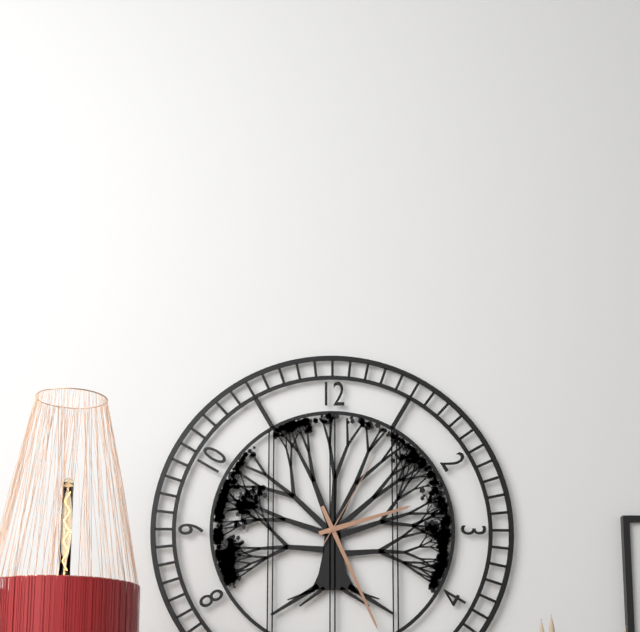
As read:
{"hour": 2, "minute": 26, "second": 5}
